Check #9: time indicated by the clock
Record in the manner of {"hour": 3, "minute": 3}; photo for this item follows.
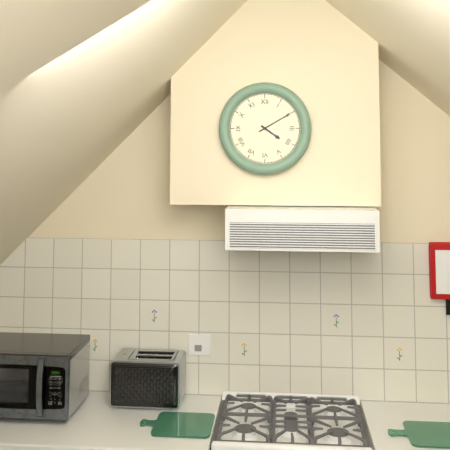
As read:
{"hour": 4, "minute": 10}
